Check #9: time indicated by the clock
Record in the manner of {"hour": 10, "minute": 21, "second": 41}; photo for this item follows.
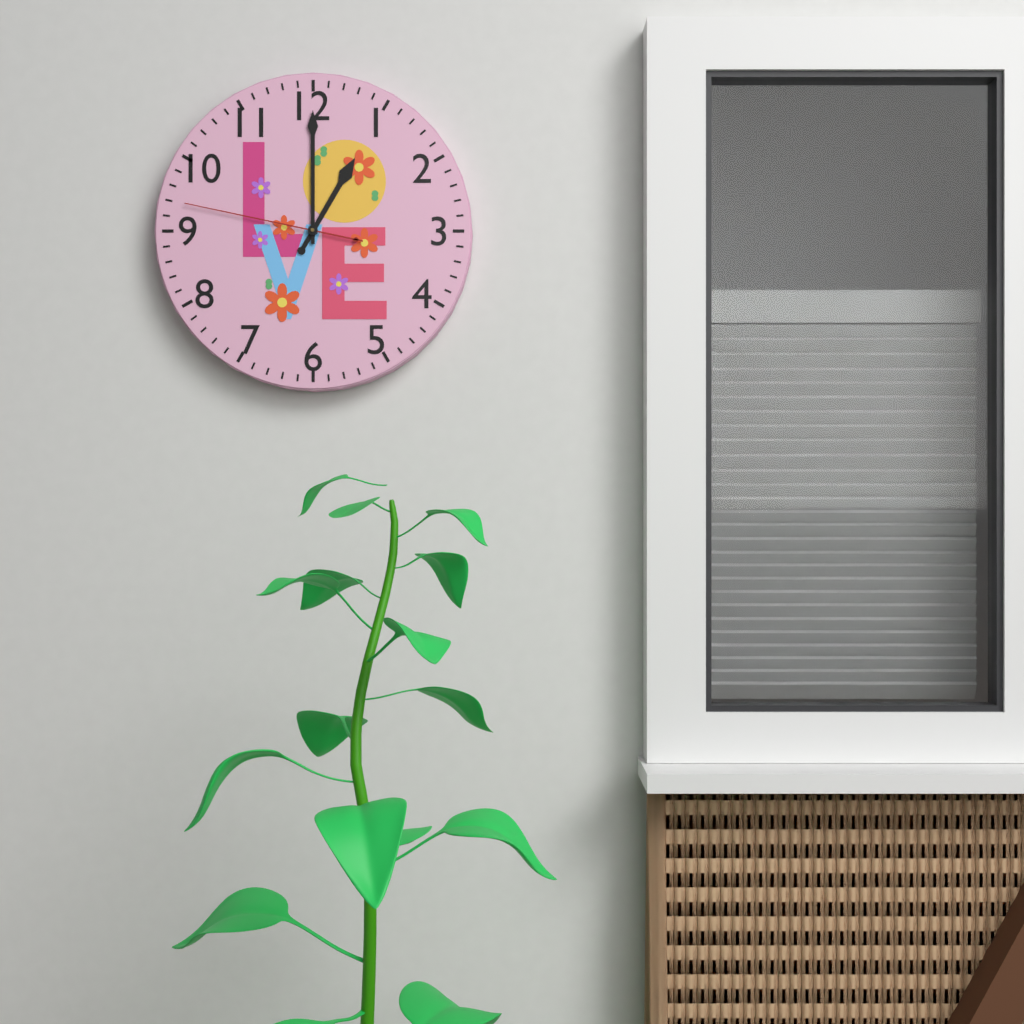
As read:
{"hour": 1, "minute": 0, "second": 47}
